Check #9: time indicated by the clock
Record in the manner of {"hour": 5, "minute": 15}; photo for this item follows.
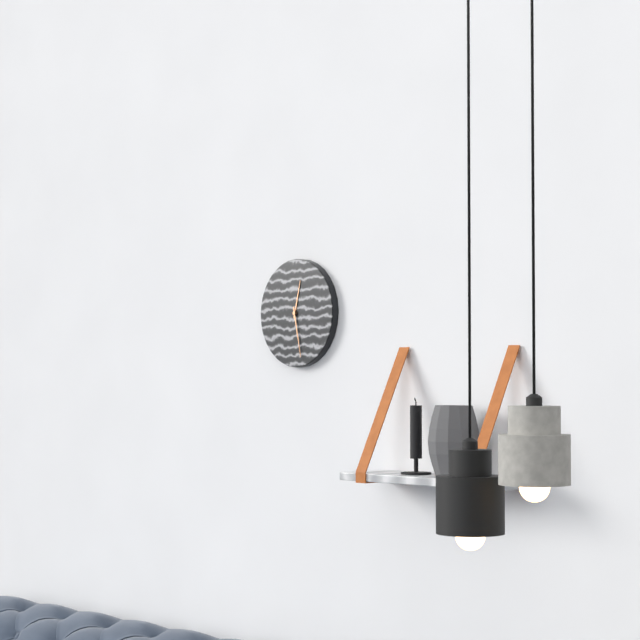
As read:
{"hour": 12, "minute": 28}
